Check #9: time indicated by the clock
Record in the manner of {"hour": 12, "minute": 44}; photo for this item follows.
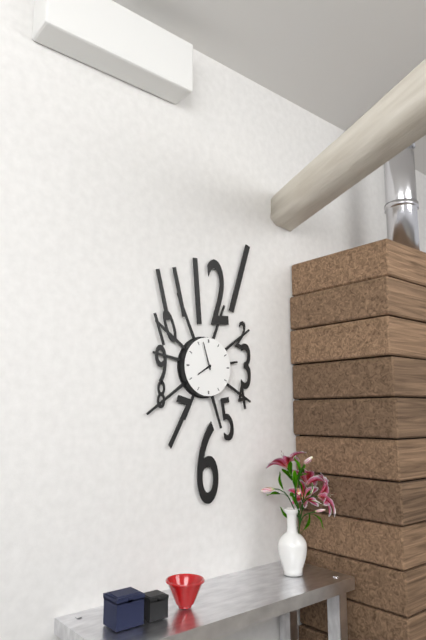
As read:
{"hour": 7, "minute": 57}
